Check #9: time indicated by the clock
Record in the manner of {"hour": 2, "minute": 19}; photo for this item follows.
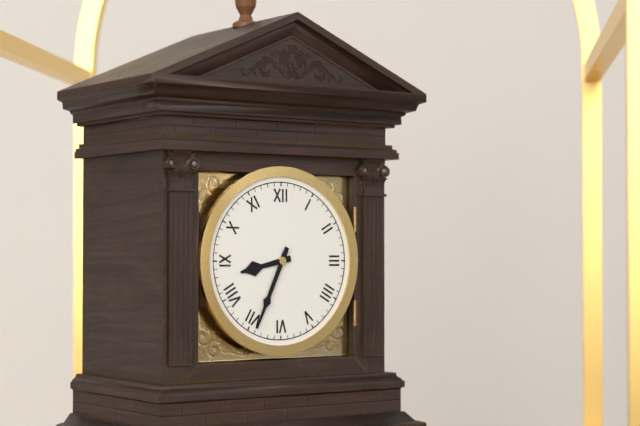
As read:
{"hour": 8, "minute": 34}
